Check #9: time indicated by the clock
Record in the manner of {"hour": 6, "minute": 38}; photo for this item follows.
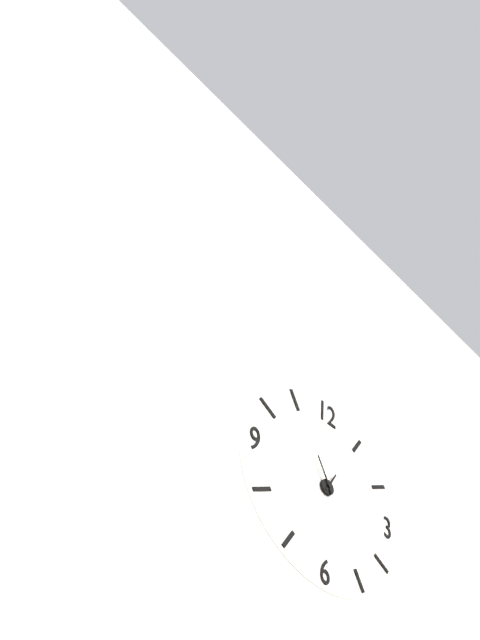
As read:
{"hour": 12, "minute": 55}
